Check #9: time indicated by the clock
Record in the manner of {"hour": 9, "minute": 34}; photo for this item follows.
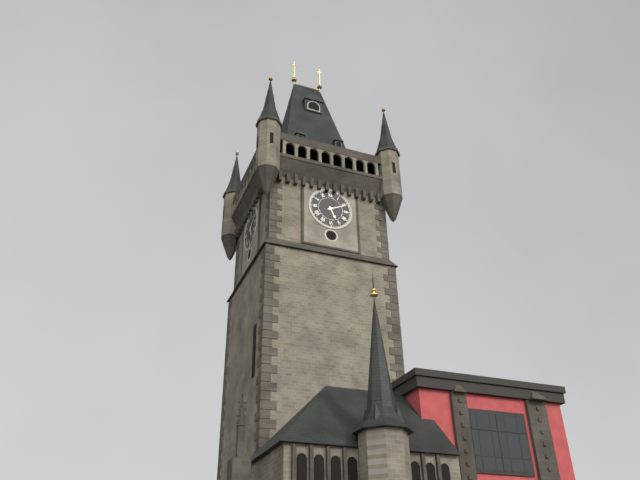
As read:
{"hour": 5, "minute": 11}
